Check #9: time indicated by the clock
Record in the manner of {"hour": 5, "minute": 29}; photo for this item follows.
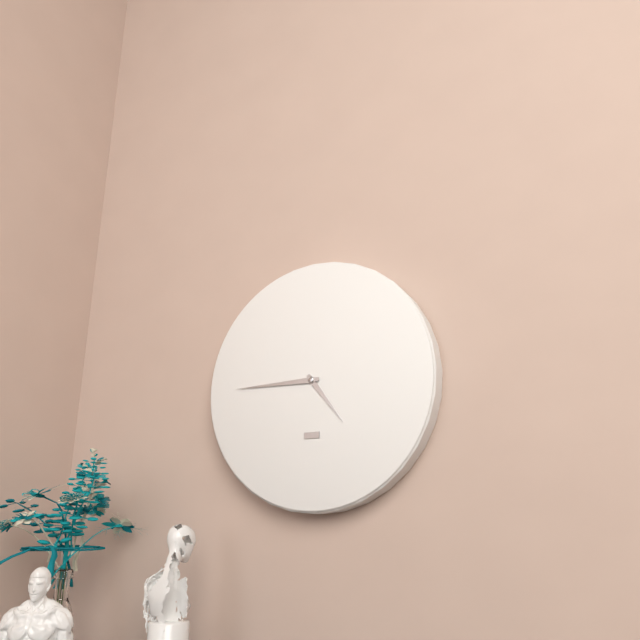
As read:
{"hour": 4, "minute": 45}
